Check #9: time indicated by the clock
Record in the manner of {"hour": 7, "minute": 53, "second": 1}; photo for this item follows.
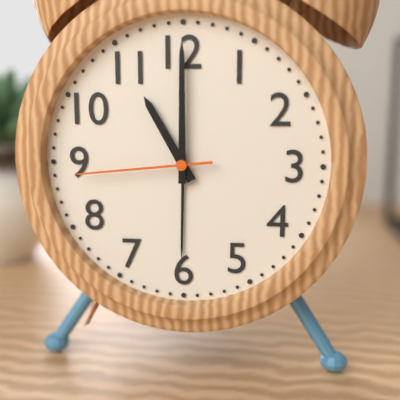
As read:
{"hour": 11, "minute": 0, "second": 44}
